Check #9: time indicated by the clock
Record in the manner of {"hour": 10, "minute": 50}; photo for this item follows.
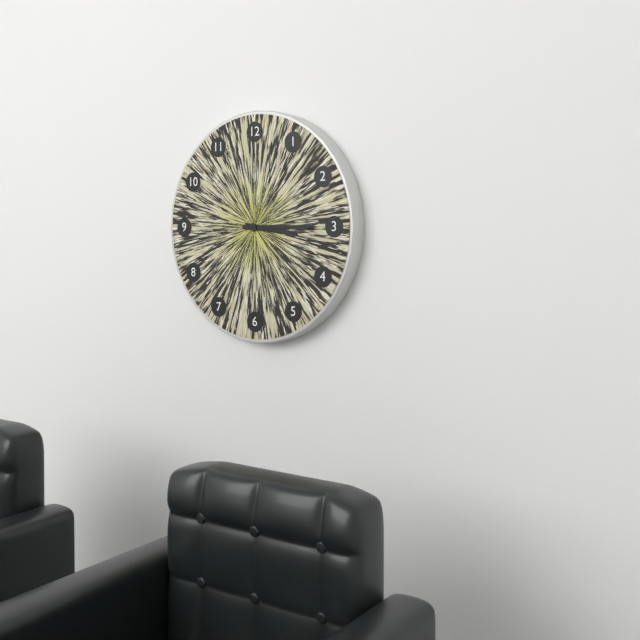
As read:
{"hour": 3, "minute": 15}
